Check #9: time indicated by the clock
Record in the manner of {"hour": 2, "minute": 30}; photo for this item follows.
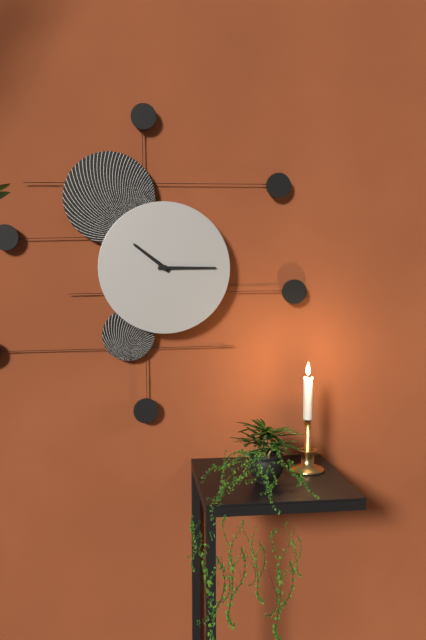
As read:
{"hour": 10, "minute": 15}
